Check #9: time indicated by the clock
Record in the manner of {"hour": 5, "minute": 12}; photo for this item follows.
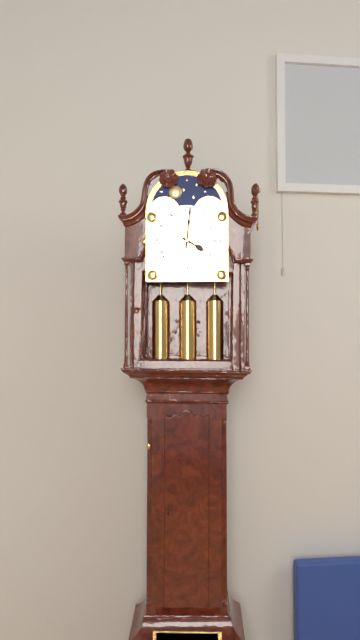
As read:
{"hour": 4, "minute": 1}
